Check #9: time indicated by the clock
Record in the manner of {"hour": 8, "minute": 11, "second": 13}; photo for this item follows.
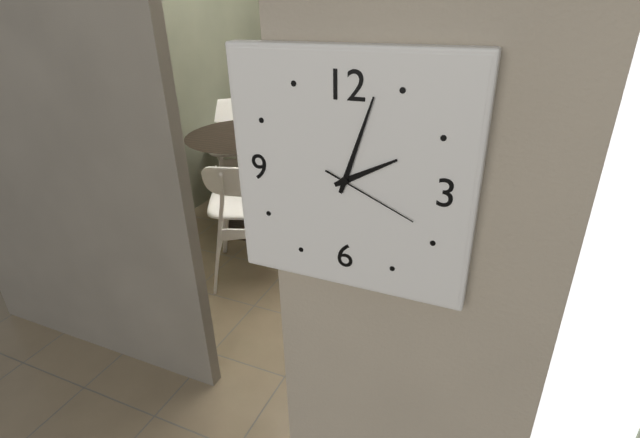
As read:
{"hour": 2, "minute": 3, "second": 19}
